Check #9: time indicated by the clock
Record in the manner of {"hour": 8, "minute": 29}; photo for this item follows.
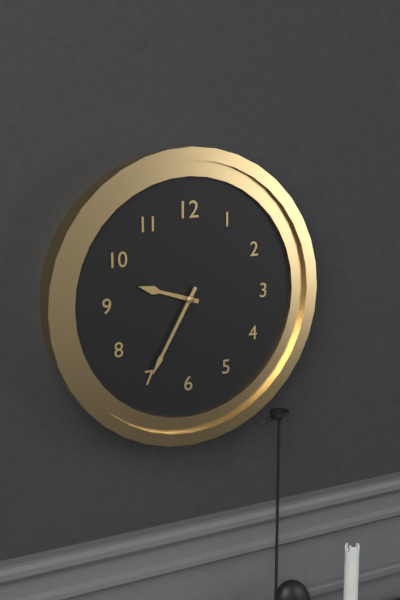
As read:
{"hour": 9, "minute": 35}
